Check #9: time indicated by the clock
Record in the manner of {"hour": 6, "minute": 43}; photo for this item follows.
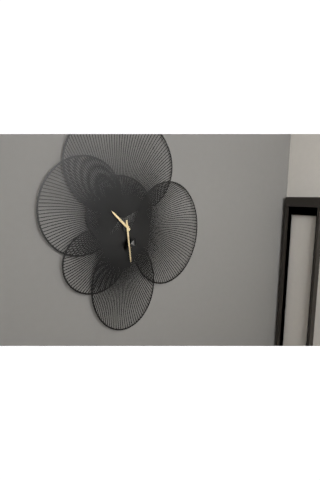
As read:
{"hour": 10, "minute": 29}
